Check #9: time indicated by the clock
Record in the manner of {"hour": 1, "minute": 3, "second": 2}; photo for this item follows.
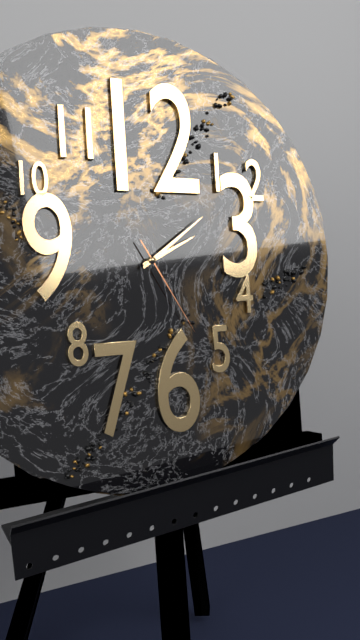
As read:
{"hour": 2, "minute": 9, "second": 25}
